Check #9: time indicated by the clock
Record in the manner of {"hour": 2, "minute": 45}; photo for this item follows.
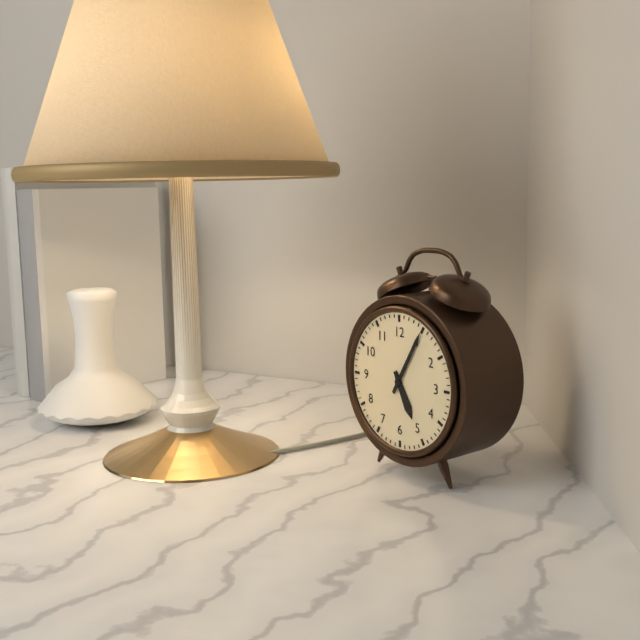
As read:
{"hour": 5, "minute": 5}
